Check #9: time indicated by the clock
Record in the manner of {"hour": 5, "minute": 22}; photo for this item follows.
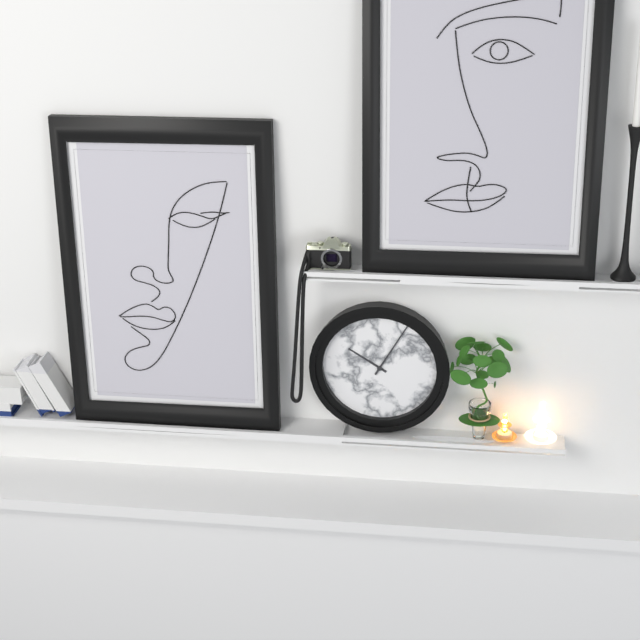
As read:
{"hour": 10, "minute": 5}
